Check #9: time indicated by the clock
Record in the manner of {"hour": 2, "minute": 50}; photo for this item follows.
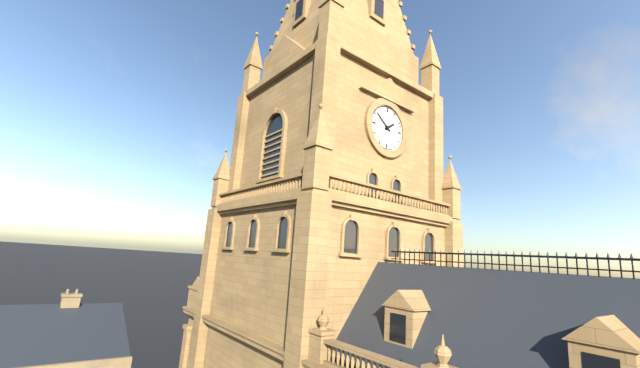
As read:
{"hour": 1, "minute": 51}
